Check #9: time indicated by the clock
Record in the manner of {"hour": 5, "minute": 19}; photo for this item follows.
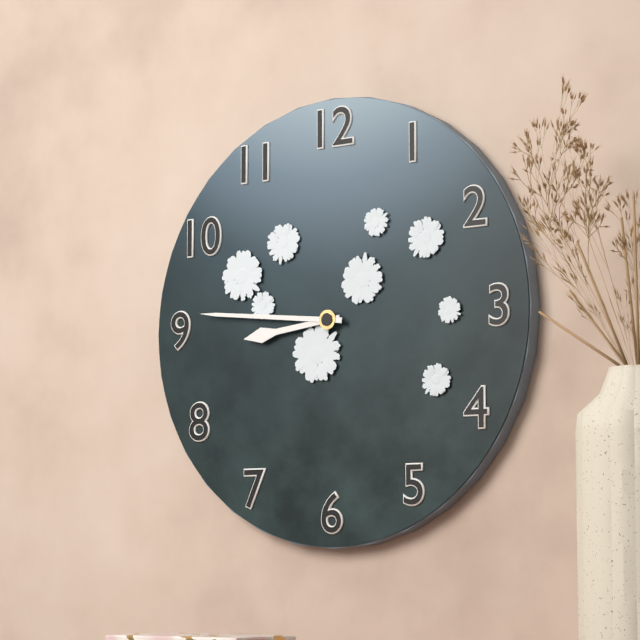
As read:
{"hour": 8, "minute": 46}
